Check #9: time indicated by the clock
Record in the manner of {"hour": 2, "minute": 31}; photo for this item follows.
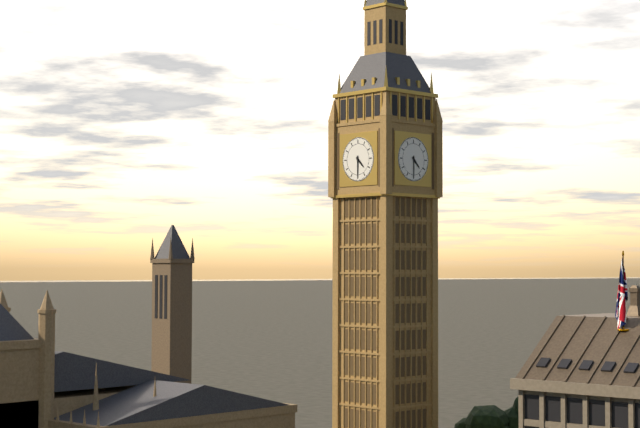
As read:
{"hour": 4, "minute": 30}
